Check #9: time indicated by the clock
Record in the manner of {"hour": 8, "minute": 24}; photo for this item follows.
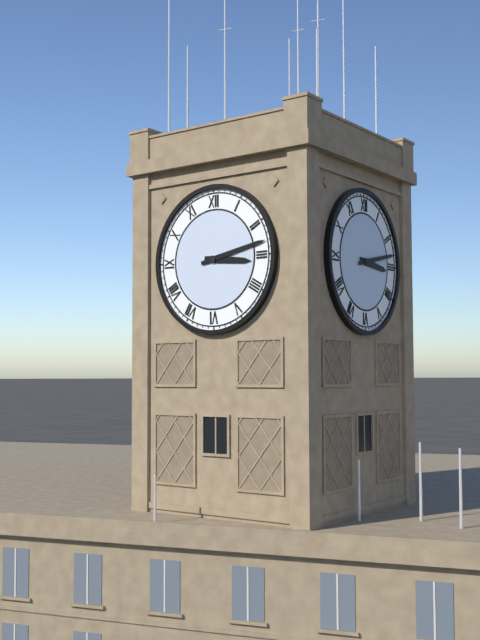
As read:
{"hour": 3, "minute": 13}
